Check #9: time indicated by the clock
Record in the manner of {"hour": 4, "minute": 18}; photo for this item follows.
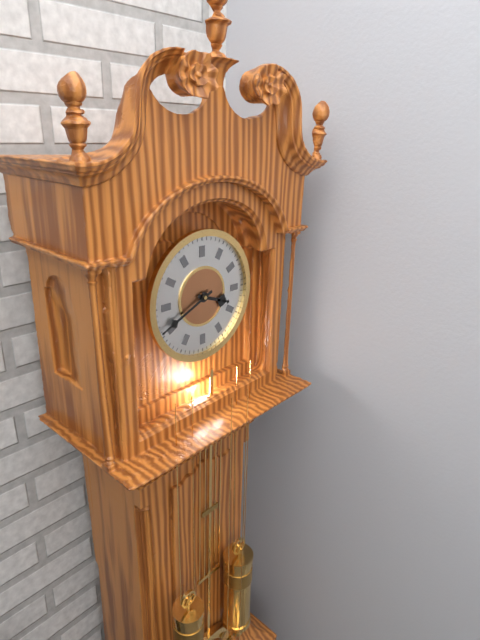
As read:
{"hour": 3, "minute": 41}
